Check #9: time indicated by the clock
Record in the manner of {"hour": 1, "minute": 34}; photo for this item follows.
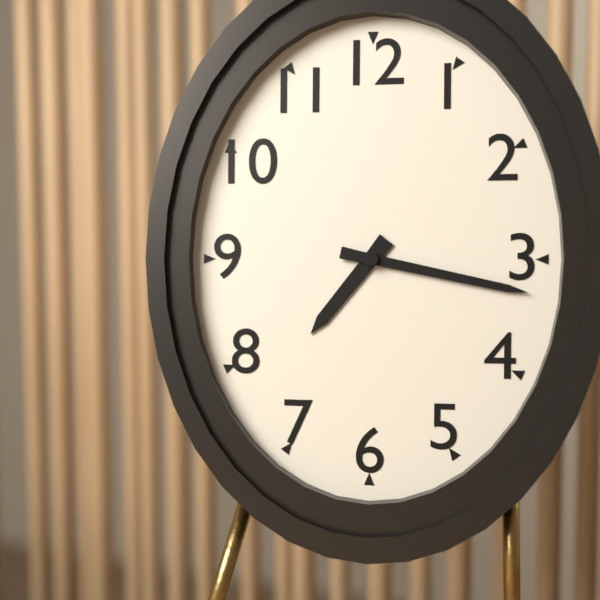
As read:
{"hour": 7, "minute": 17}
